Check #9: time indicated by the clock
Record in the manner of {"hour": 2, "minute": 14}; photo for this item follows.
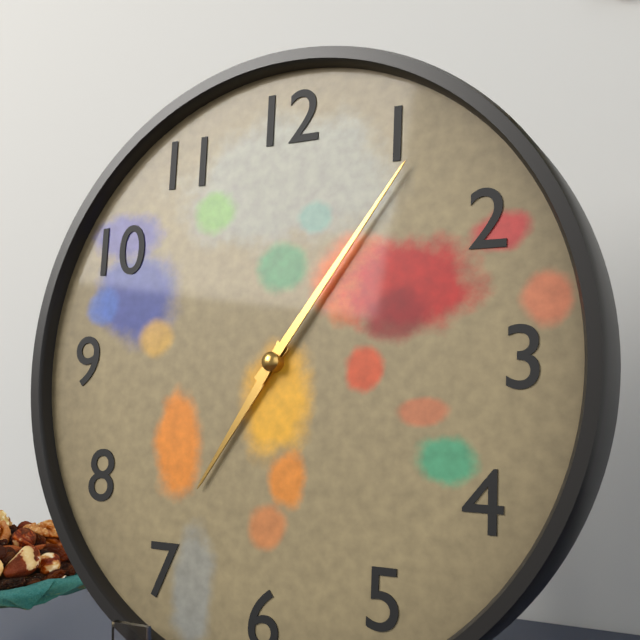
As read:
{"hour": 7, "minute": 6}
